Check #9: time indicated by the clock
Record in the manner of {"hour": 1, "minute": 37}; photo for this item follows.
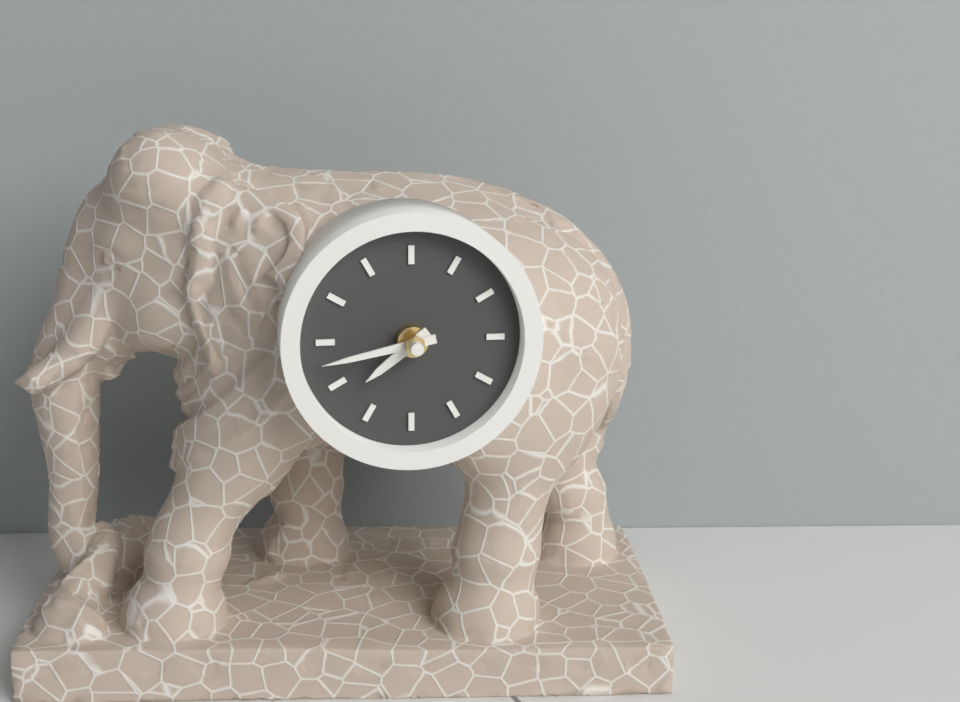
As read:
{"hour": 7, "minute": 43}
